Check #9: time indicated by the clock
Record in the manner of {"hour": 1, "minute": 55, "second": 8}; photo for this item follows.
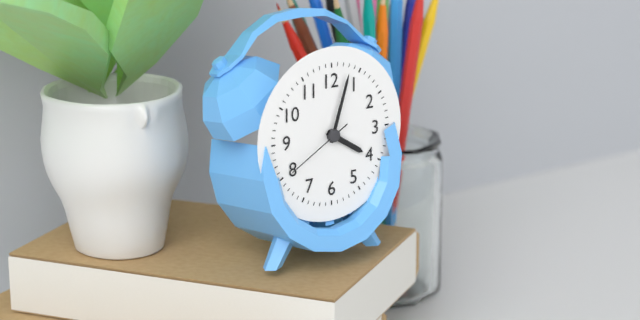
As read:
{"hour": 4, "minute": 3, "second": 40}
